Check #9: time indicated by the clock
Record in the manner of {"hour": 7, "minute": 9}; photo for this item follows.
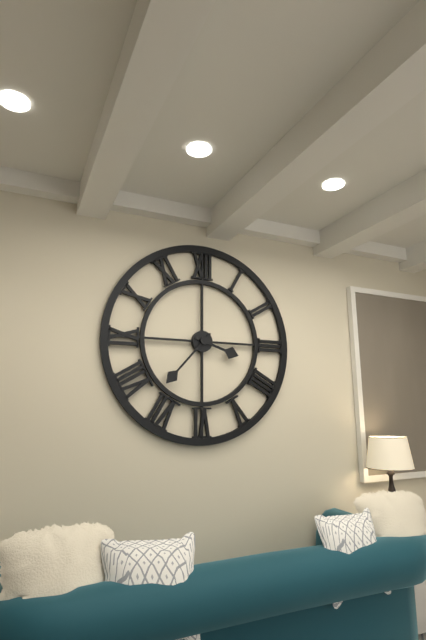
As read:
{"hour": 3, "minute": 37}
